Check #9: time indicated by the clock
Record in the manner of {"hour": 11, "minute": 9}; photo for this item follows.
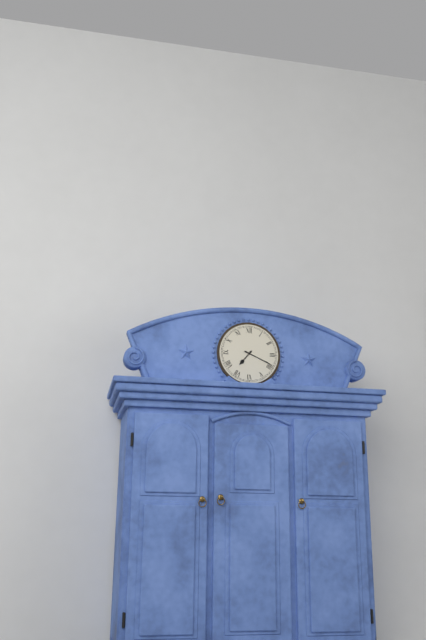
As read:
{"hour": 7, "minute": 19}
